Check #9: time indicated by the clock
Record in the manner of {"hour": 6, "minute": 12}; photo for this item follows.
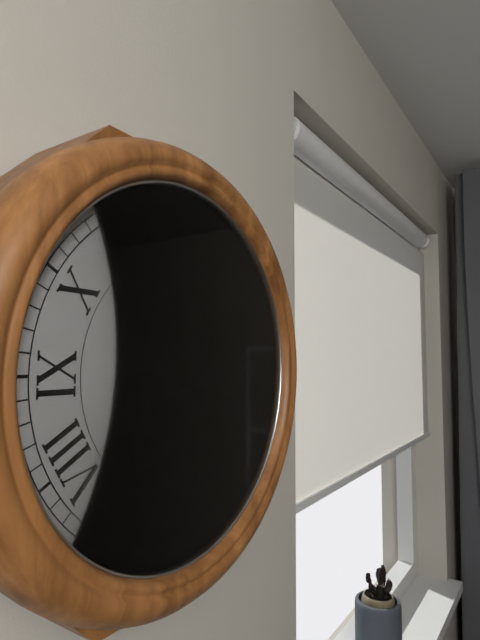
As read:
{"hour": 3, "minute": 26}
